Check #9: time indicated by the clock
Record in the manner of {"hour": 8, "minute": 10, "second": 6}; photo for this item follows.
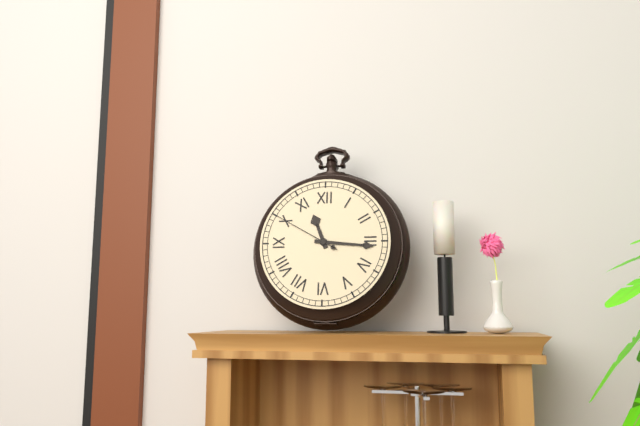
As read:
{"hour": 11, "minute": 16, "second": 50}
